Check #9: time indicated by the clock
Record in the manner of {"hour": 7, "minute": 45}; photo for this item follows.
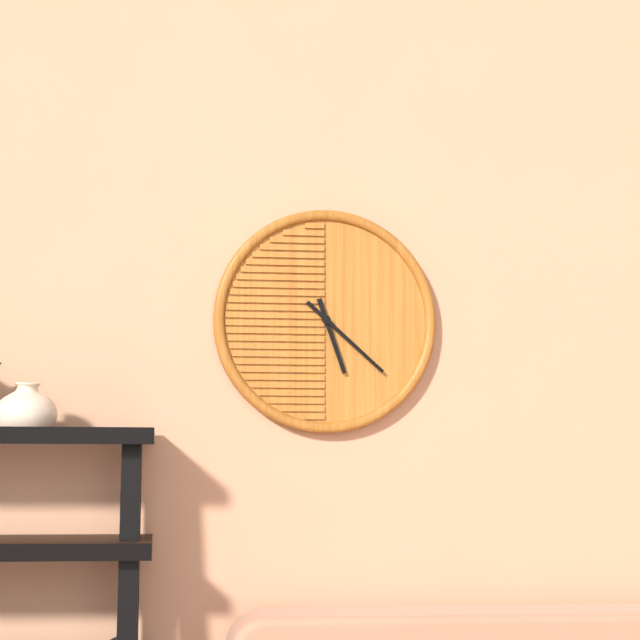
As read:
{"hour": 5, "minute": 22}
